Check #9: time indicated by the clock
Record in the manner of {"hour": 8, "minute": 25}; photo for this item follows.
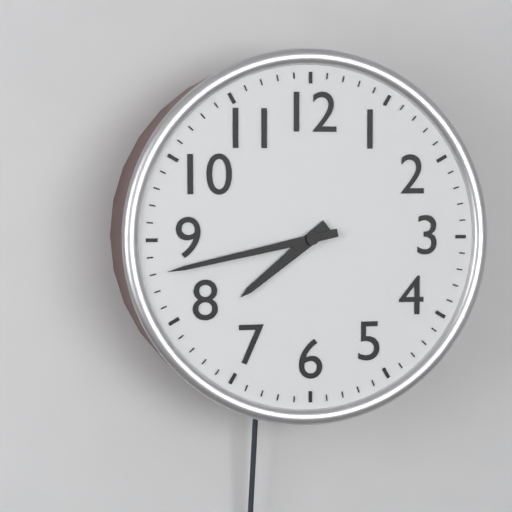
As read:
{"hour": 7, "minute": 43}
